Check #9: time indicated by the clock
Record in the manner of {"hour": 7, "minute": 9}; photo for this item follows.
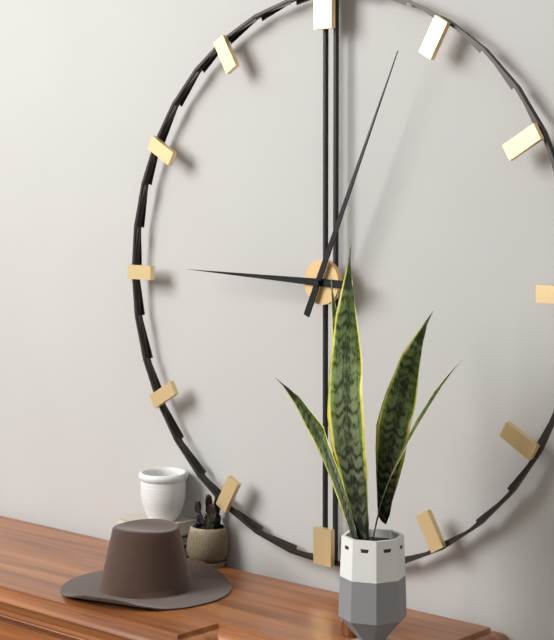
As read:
{"hour": 9, "minute": 4}
